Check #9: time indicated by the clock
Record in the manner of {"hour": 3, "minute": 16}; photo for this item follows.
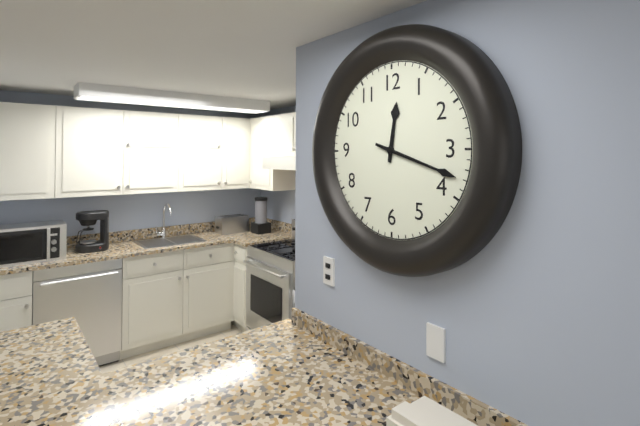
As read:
{"hour": 12, "minute": 18}
